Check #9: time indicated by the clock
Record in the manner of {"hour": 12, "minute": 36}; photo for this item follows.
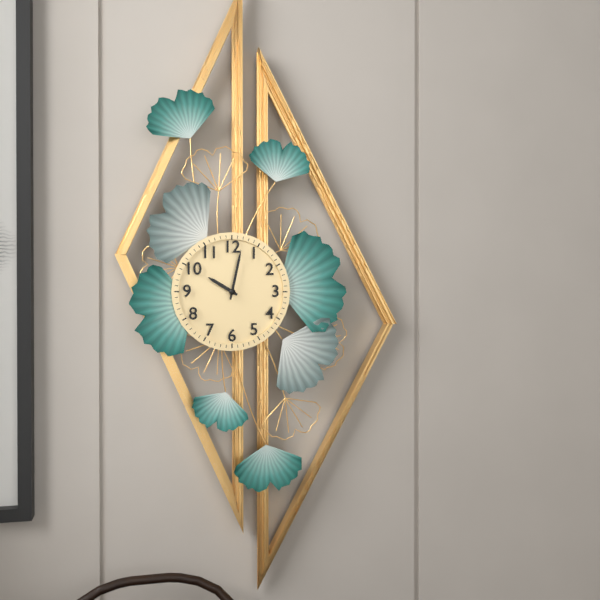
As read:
{"hour": 10, "minute": 2}
